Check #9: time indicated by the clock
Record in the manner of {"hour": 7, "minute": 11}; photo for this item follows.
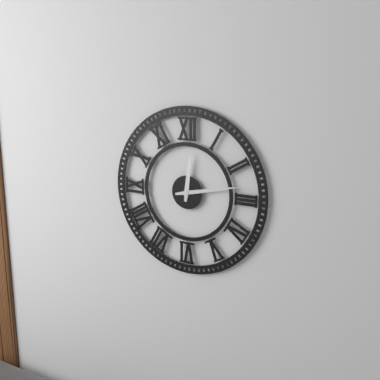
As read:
{"hour": 12, "minute": 13}
